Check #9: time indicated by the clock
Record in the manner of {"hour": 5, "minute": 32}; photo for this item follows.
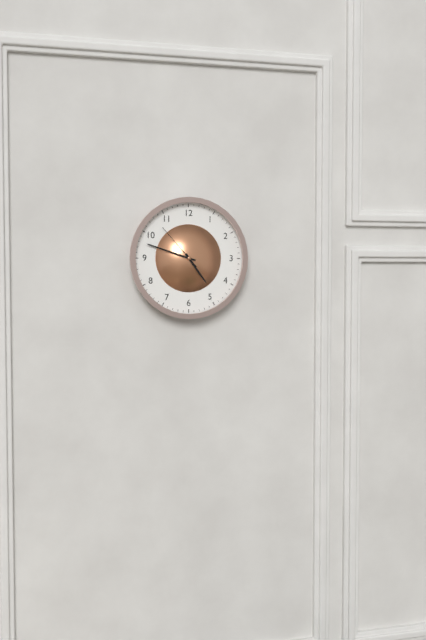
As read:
{"hour": 4, "minute": 48}
